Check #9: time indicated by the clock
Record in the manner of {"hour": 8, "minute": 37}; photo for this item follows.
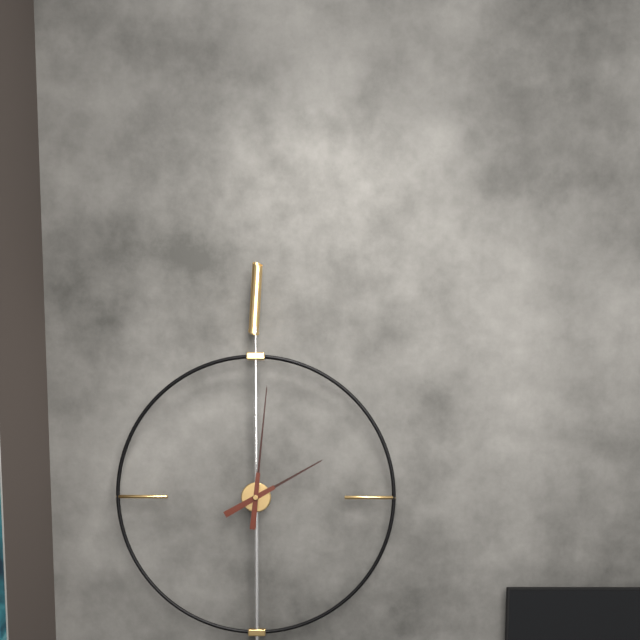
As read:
{"hour": 2, "minute": 1}
